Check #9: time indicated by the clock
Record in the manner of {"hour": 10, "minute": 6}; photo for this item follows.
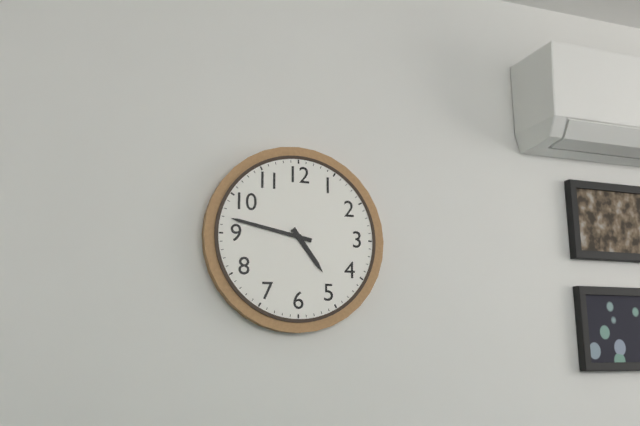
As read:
{"hour": 4, "minute": 47}
